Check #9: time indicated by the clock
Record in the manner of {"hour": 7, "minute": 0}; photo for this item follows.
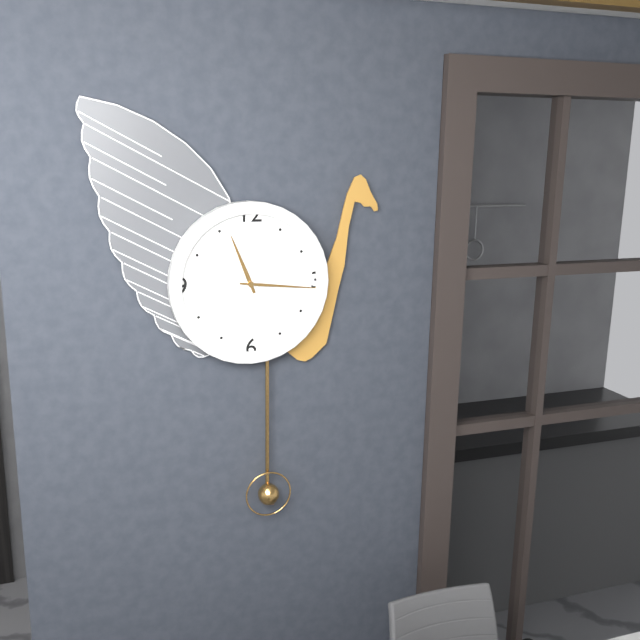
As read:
{"hour": 11, "minute": 16}
